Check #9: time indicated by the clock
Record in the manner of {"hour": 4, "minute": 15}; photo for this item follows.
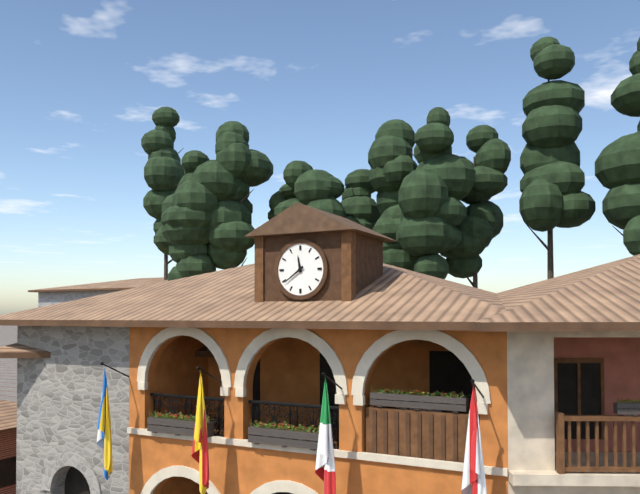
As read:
{"hour": 11, "minute": 39}
